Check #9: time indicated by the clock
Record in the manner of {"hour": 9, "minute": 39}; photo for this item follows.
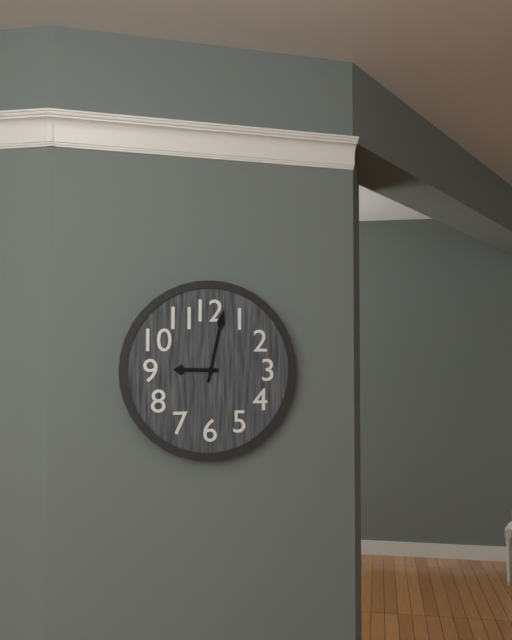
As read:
{"hour": 9, "minute": 2}
